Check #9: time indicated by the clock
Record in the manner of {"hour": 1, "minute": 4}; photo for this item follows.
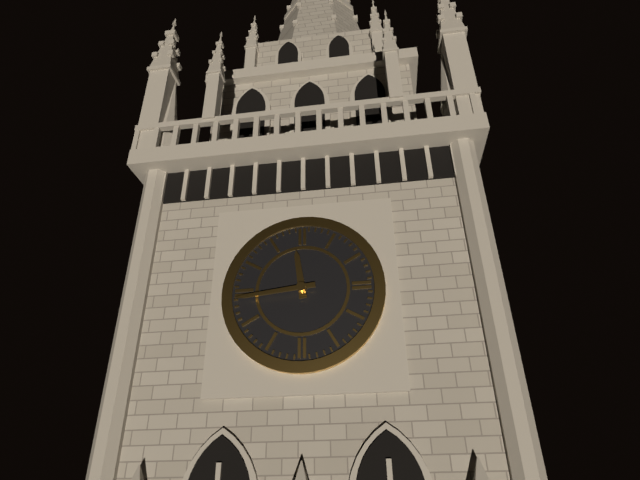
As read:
{"hour": 11, "minute": 44}
